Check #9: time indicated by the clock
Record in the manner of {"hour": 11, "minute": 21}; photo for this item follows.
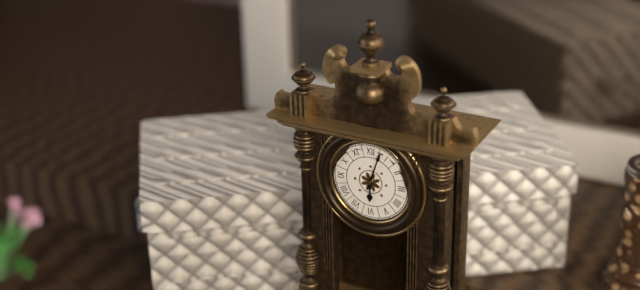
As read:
{"hour": 6, "minute": 3}
